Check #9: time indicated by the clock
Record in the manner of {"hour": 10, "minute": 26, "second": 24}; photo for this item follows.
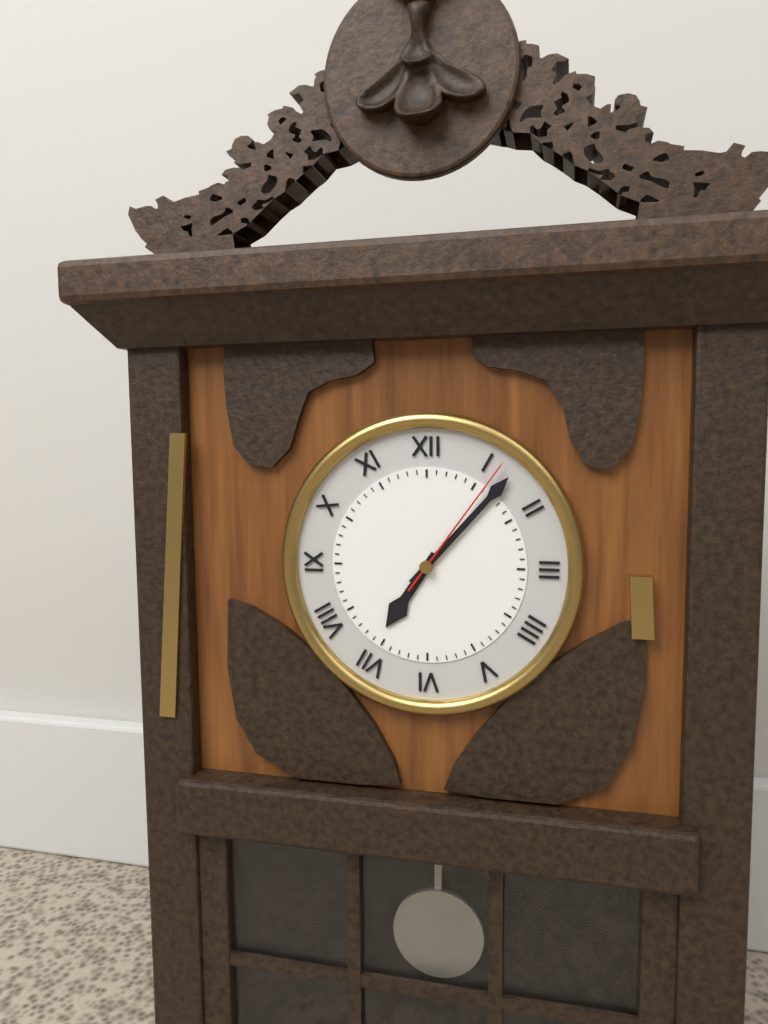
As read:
{"hour": 7, "minute": 7, "second": 6}
